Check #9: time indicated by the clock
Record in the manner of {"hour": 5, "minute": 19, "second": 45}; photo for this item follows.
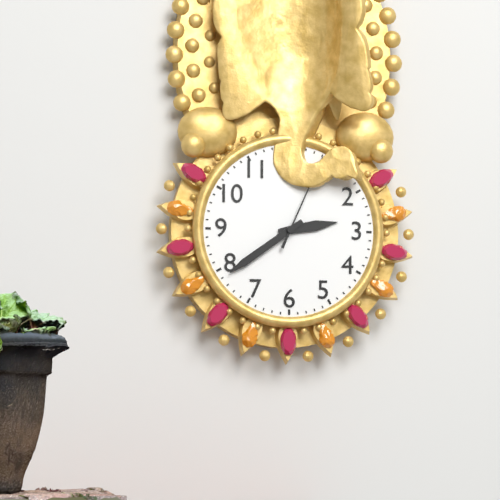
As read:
{"hour": 2, "minute": 39, "second": 4}
